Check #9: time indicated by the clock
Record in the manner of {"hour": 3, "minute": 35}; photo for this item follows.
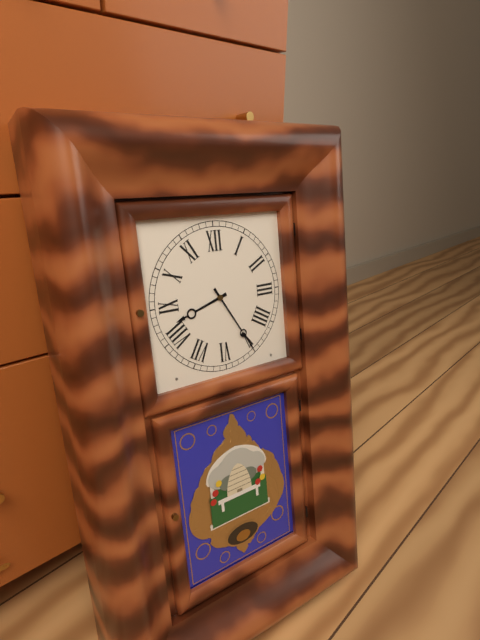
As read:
{"hour": 8, "minute": 25}
